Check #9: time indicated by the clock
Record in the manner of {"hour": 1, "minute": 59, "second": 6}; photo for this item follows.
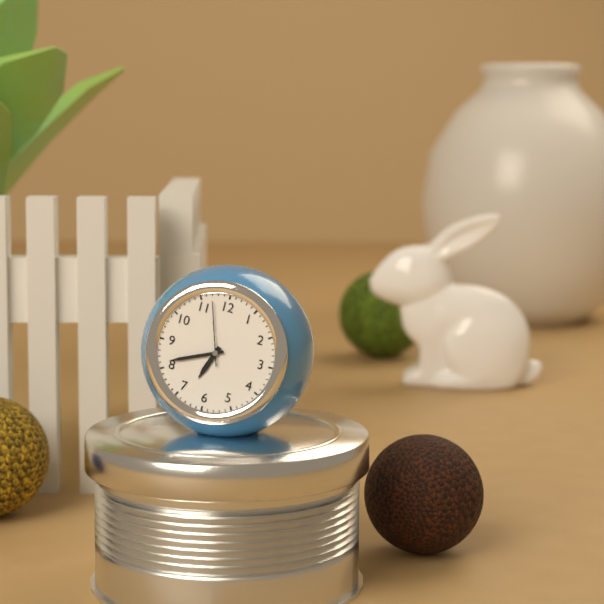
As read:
{"hour": 6, "minute": 41, "second": 57}
